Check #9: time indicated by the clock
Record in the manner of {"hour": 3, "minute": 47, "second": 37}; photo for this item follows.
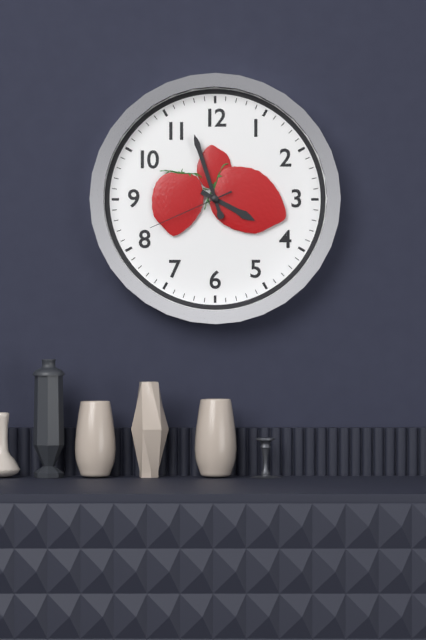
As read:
{"hour": 3, "minute": 57, "second": 41}
